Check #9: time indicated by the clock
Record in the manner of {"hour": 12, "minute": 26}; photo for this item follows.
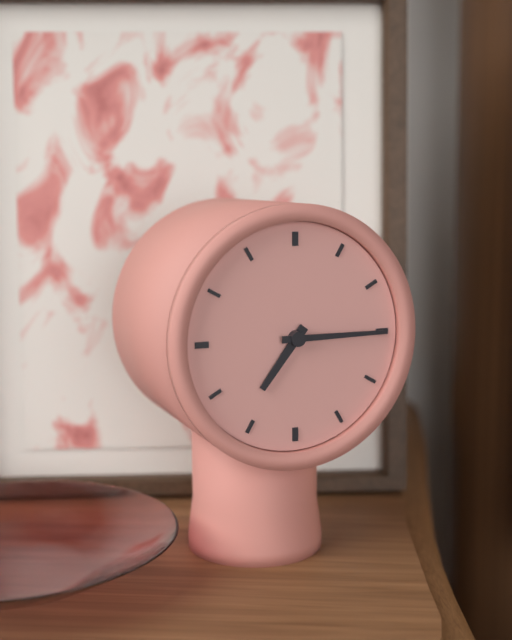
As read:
{"hour": 7, "minute": 15}
